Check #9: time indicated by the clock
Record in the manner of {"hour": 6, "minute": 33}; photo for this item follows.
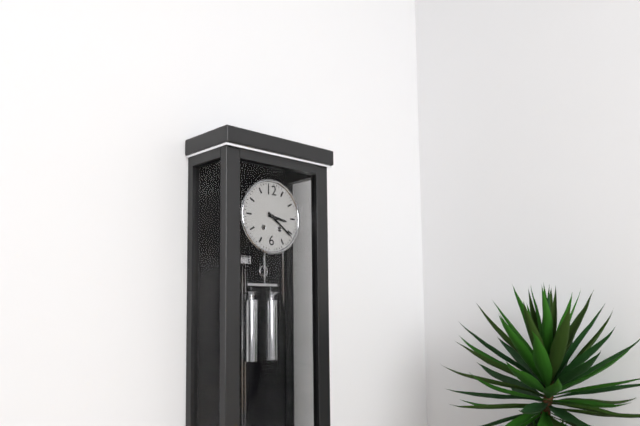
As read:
{"hour": 3, "minute": 21}
